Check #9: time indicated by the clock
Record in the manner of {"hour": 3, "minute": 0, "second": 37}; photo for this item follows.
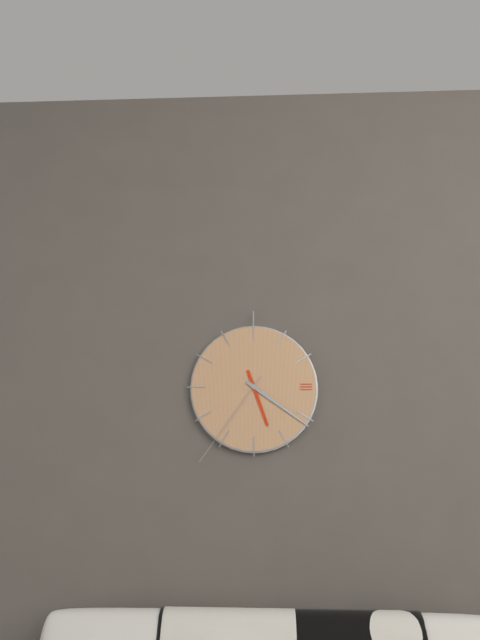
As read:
{"hour": 5, "minute": 21, "second": 36}
